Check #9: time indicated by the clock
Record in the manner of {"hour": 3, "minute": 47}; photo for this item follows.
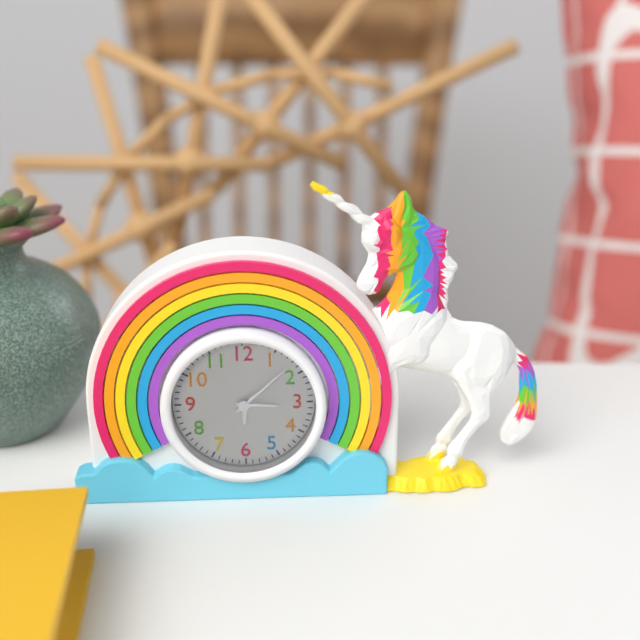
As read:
{"hour": 3, "minute": 8}
